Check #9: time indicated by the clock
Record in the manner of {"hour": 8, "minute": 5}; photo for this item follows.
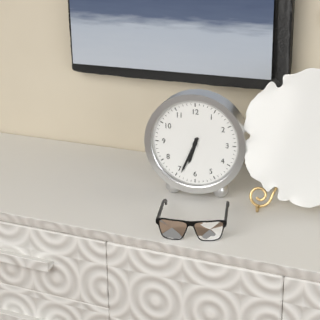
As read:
{"hour": 6, "minute": 34}
